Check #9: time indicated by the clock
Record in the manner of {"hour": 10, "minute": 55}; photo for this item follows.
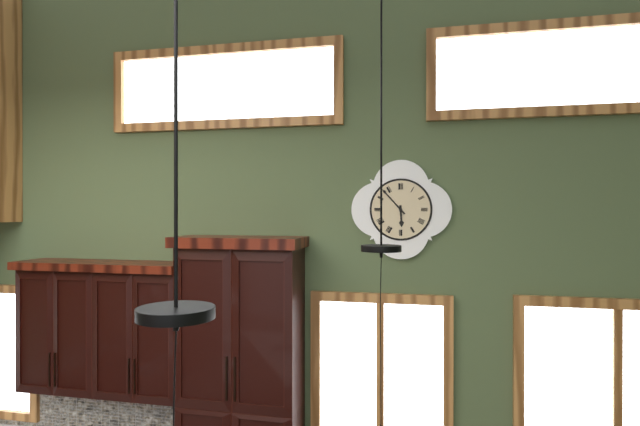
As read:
{"hour": 5, "minute": 53}
